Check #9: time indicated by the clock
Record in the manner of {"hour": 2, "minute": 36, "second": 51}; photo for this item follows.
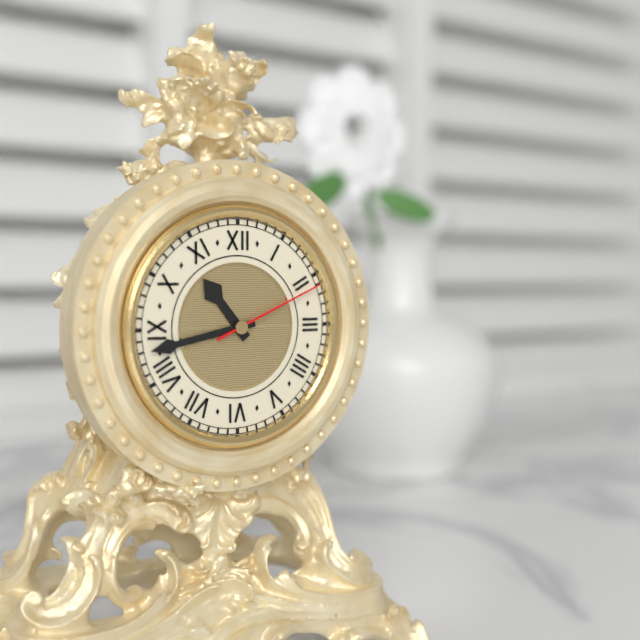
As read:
{"hour": 10, "minute": 43, "second": 11}
